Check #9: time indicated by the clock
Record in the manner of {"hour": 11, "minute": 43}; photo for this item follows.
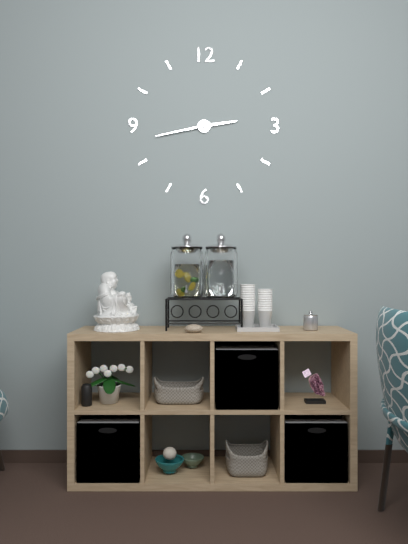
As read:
{"hour": 2, "minute": 43}
